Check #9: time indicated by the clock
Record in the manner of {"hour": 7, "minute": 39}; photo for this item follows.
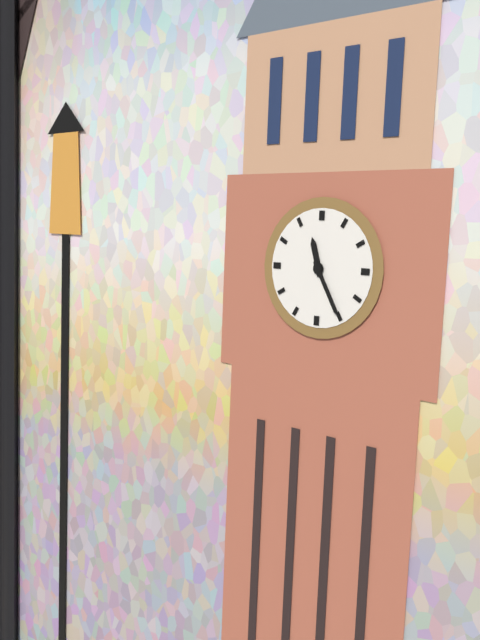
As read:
{"hour": 11, "minute": 25}
